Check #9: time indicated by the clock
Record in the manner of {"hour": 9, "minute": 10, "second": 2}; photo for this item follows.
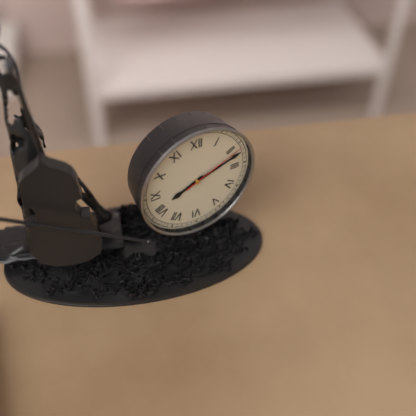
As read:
{"hour": 8, "minute": 12, "second": 11}
